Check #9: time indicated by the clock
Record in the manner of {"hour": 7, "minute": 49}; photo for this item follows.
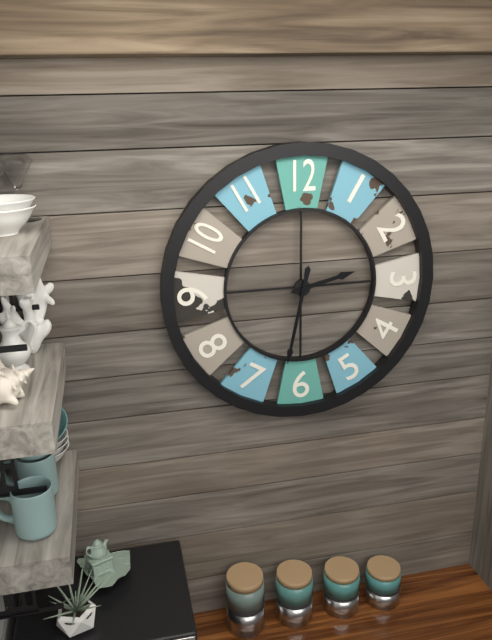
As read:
{"hour": 2, "minute": 32}
